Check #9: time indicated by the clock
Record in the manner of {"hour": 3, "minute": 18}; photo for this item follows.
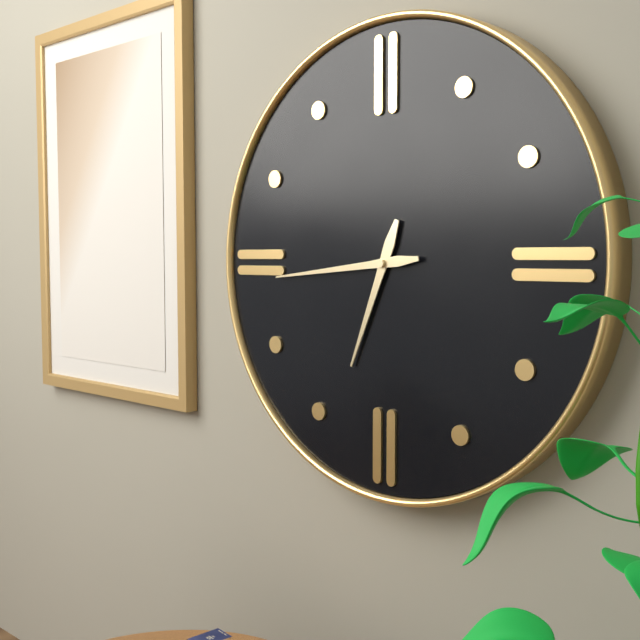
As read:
{"hour": 6, "minute": 44}
